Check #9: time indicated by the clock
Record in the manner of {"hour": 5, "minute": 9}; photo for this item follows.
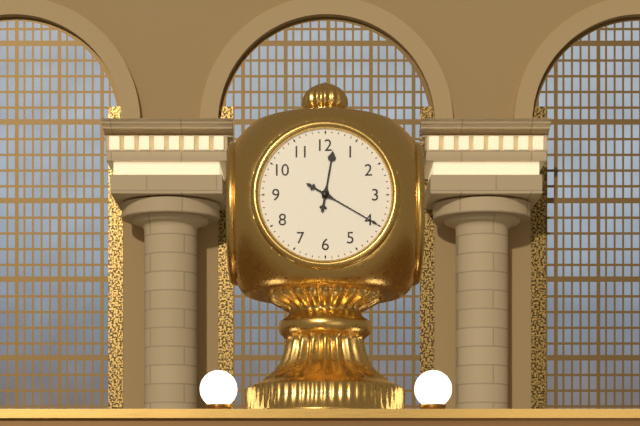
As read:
{"hour": 12, "minute": 20}
